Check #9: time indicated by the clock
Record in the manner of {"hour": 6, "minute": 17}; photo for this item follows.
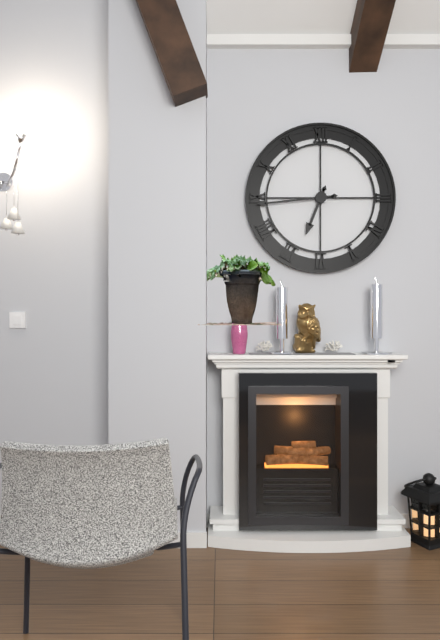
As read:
{"hour": 6, "minute": 44}
